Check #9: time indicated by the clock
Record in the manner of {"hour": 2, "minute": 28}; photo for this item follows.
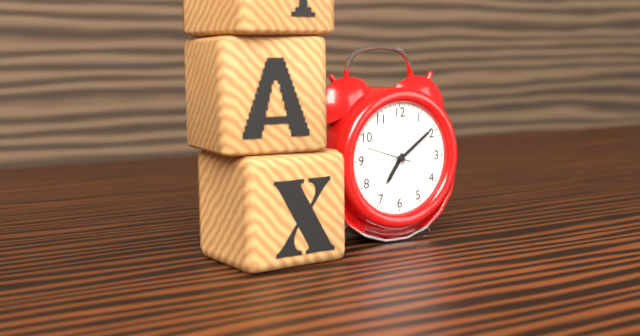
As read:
{"hour": 7, "minute": 9}
